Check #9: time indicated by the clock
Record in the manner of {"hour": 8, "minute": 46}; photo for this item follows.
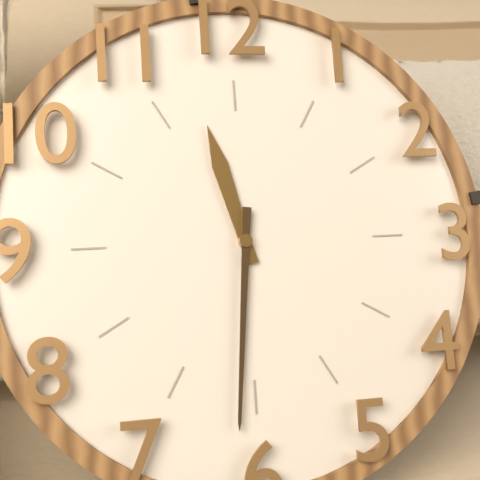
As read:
{"hour": 11, "minute": 31}
